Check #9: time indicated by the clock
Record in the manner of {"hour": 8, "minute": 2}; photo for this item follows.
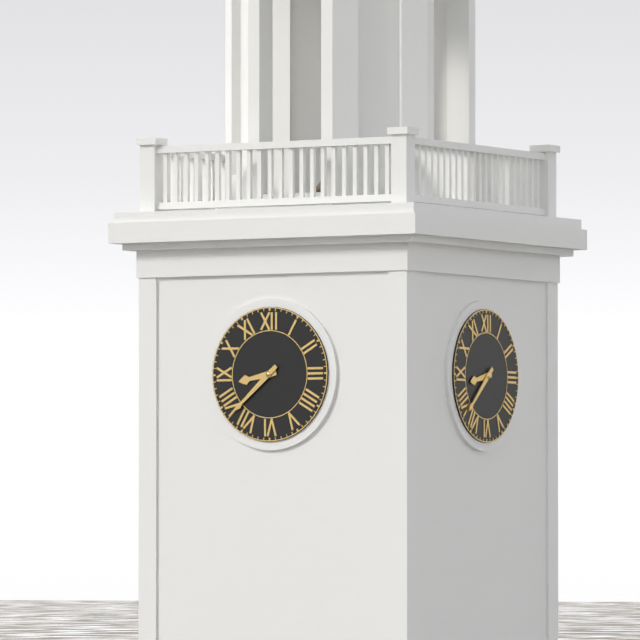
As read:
{"hour": 8, "minute": 38}
